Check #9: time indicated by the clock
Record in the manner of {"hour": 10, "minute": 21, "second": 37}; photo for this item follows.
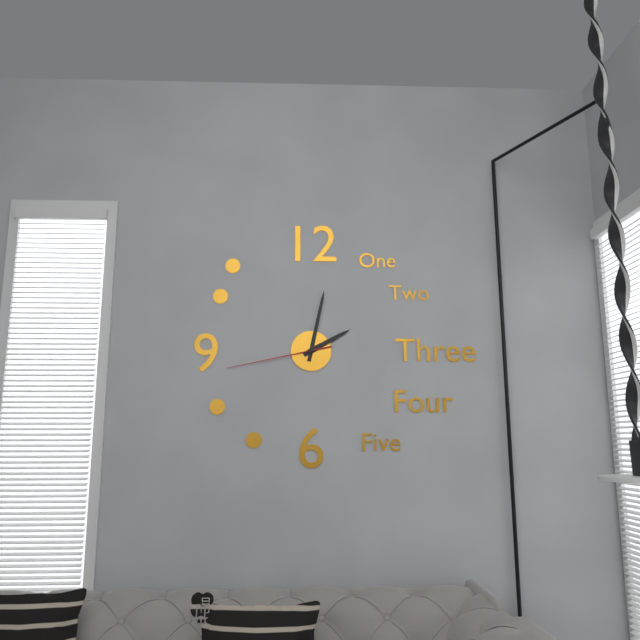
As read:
{"hour": 2, "minute": 2, "second": 43}
